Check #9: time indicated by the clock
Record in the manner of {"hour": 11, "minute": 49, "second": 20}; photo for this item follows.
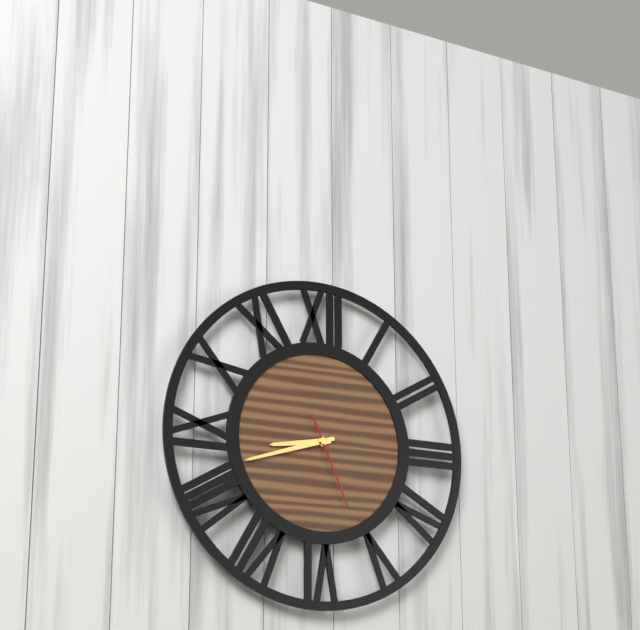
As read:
{"hour": 8, "minute": 42, "second": 26}
